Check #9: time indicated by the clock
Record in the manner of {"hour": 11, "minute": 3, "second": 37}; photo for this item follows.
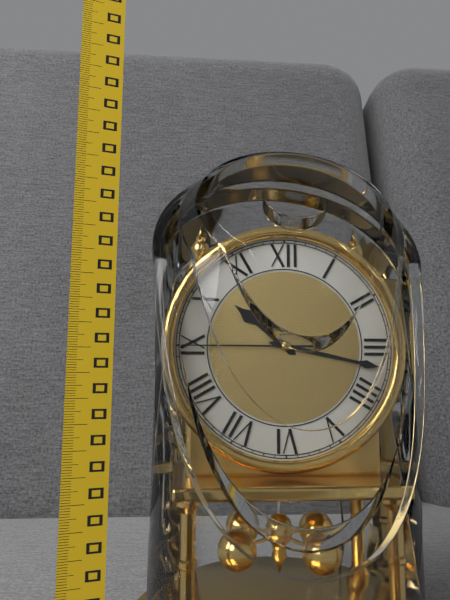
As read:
{"hour": 10, "minute": 17, "second": 45}
